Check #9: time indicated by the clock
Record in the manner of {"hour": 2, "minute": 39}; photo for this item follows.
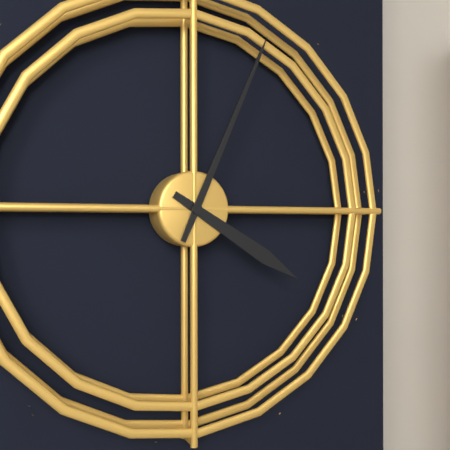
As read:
{"hour": 4, "minute": 4}
